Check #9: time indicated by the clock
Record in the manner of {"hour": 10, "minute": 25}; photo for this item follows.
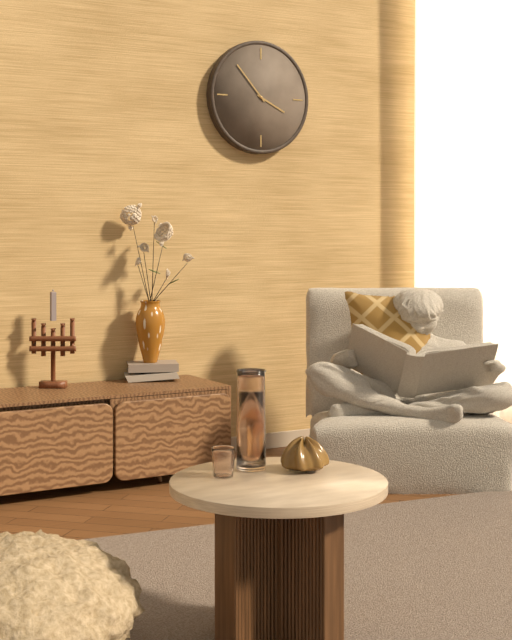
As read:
{"hour": 3, "minute": 53}
